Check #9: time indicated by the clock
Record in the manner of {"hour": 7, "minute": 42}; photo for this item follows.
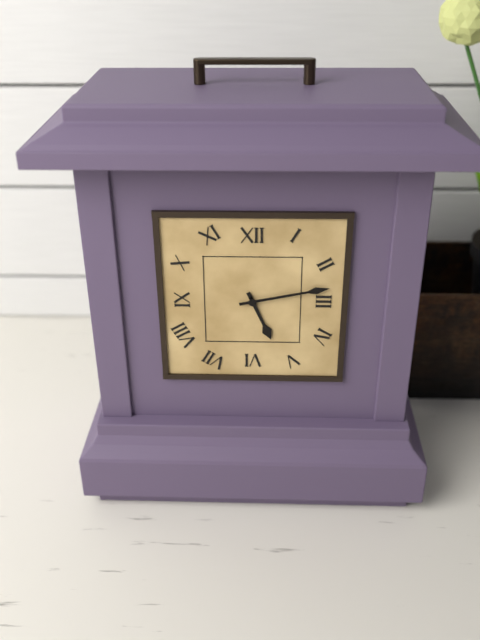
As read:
{"hour": 5, "minute": 13}
